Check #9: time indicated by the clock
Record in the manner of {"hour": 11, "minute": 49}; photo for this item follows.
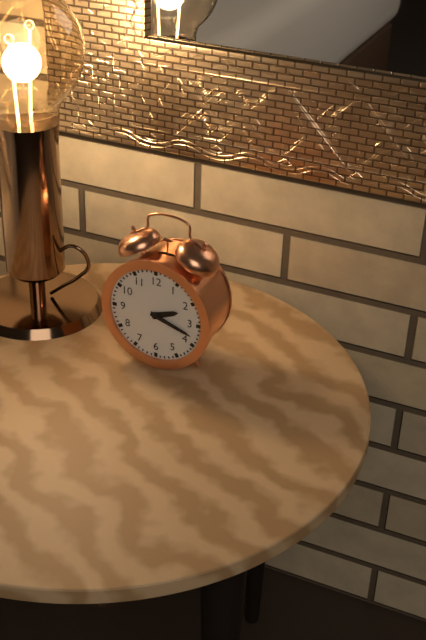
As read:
{"hour": 2, "minute": 18}
